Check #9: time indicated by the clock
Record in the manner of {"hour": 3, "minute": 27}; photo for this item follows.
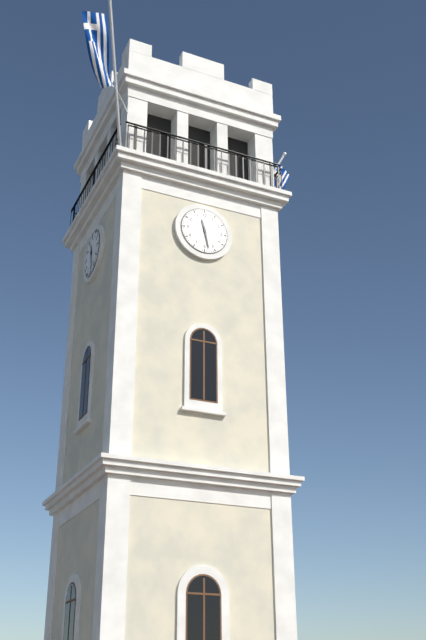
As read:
{"hour": 11, "minute": 28}
